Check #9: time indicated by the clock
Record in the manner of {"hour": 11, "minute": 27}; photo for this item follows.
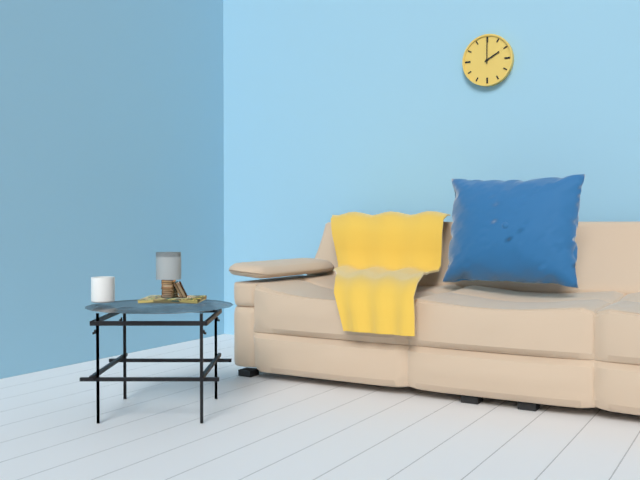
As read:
{"hour": 2, "minute": 0}
